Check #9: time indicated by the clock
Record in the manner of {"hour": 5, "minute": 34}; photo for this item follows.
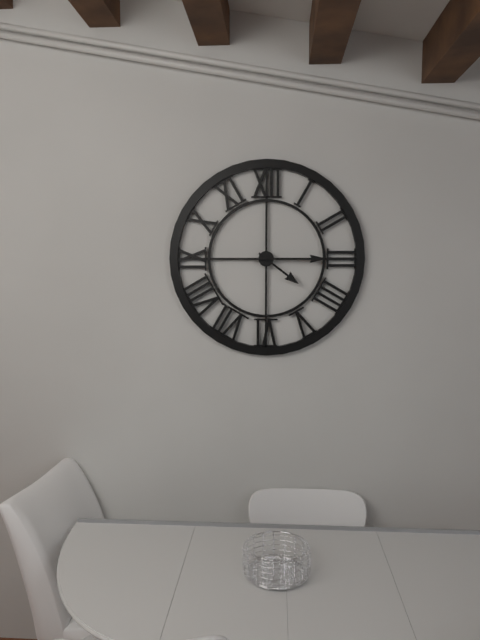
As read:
{"hour": 4, "minute": 15}
